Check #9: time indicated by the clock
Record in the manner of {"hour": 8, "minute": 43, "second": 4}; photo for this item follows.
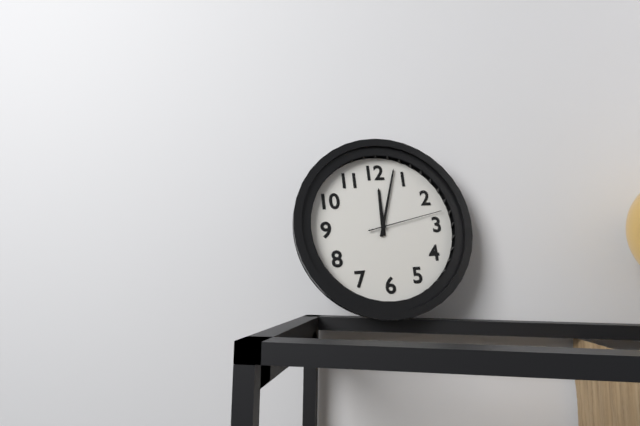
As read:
{"hour": 12, "minute": 3, "second": 13}
